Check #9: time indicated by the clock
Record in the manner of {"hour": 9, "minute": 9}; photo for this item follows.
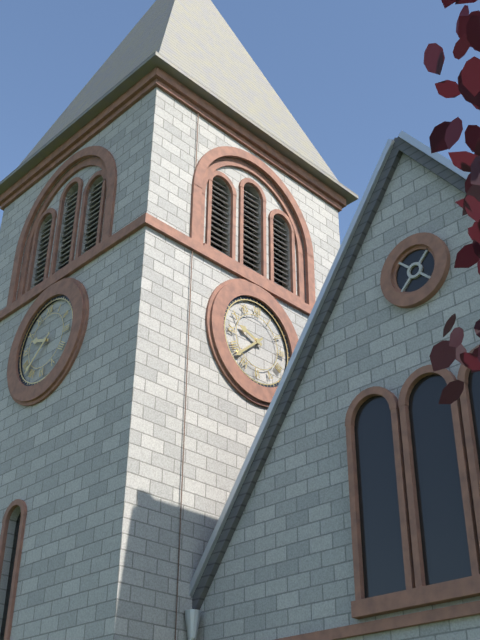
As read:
{"hour": 9, "minute": 38}
